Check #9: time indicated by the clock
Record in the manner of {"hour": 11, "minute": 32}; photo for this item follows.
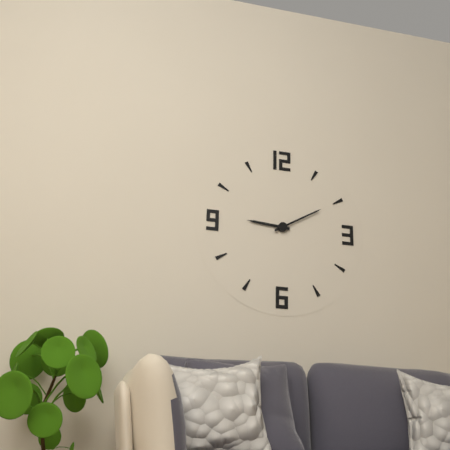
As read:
{"hour": 9, "minute": 10}
